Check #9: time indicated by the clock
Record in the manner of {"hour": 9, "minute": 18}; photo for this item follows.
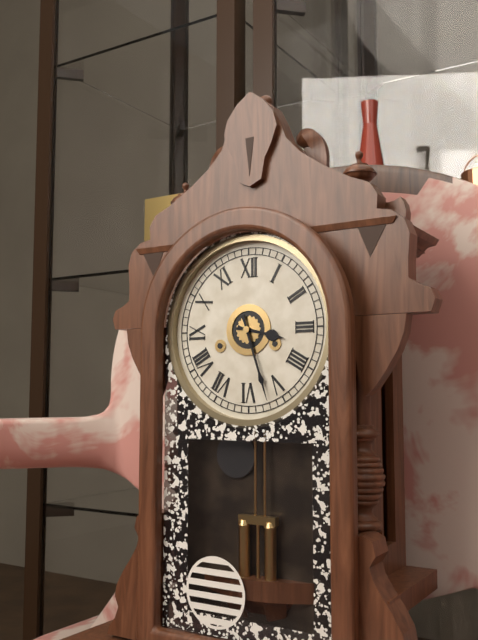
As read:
{"hour": 3, "minute": 27}
